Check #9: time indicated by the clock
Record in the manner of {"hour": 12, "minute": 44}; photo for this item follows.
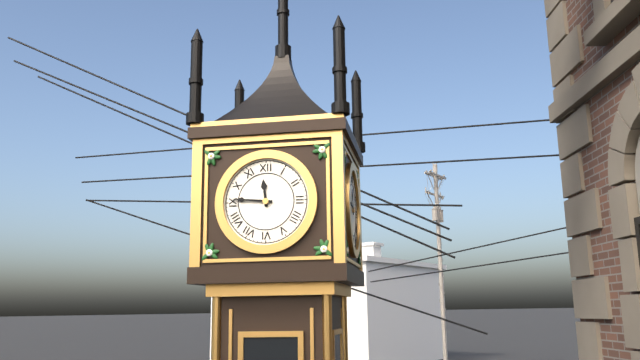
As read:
{"hour": 11, "minute": 46}
